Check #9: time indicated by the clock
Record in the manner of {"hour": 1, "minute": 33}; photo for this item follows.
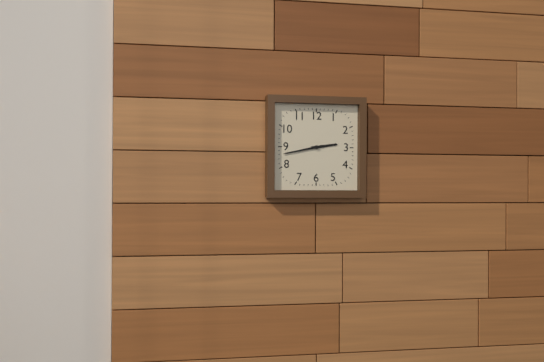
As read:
{"hour": 2, "minute": 43}
